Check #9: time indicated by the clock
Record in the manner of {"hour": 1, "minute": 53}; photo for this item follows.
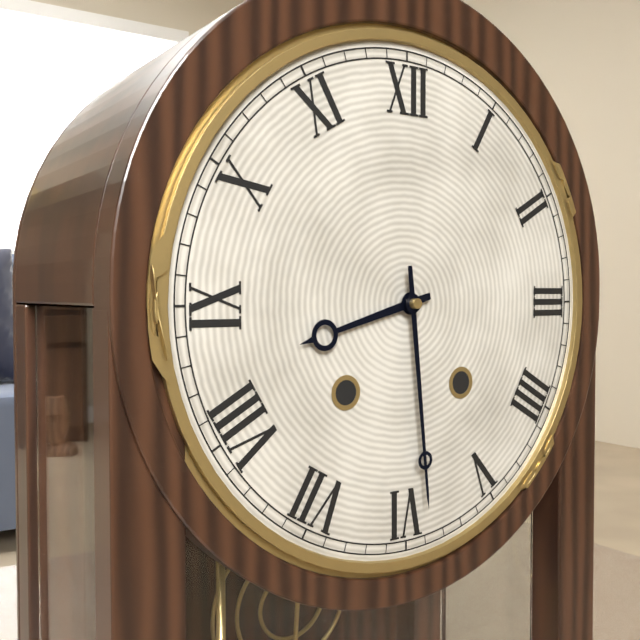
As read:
{"hour": 8, "minute": 29}
